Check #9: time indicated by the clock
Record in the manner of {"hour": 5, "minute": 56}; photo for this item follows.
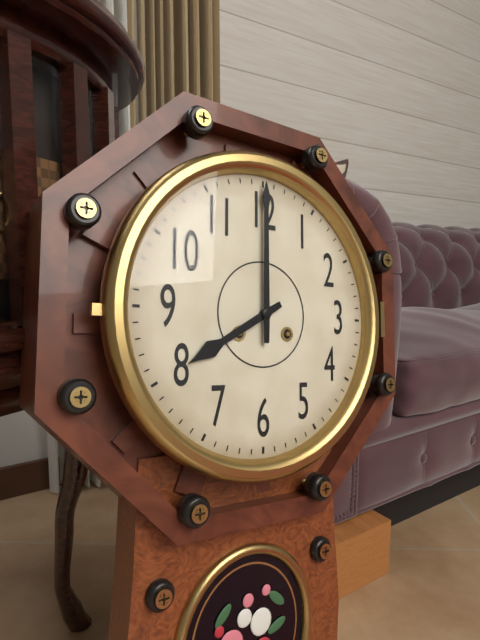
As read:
{"hour": 8, "minute": 0}
